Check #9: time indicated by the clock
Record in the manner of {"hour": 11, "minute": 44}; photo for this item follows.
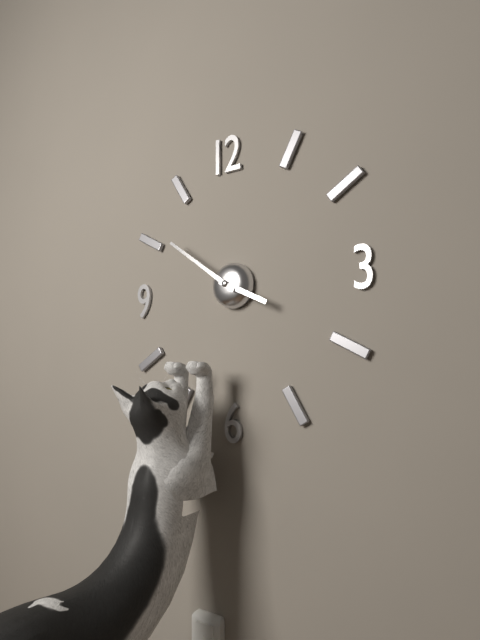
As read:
{"hour": 3, "minute": 51}
